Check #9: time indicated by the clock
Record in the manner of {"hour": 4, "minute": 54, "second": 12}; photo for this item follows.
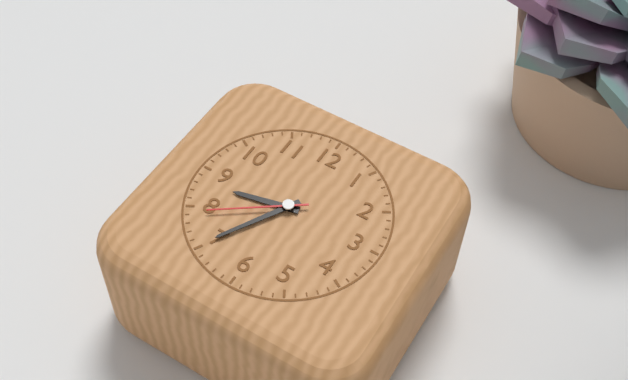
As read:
{"hour": 8, "minute": 35, "second": 39}
